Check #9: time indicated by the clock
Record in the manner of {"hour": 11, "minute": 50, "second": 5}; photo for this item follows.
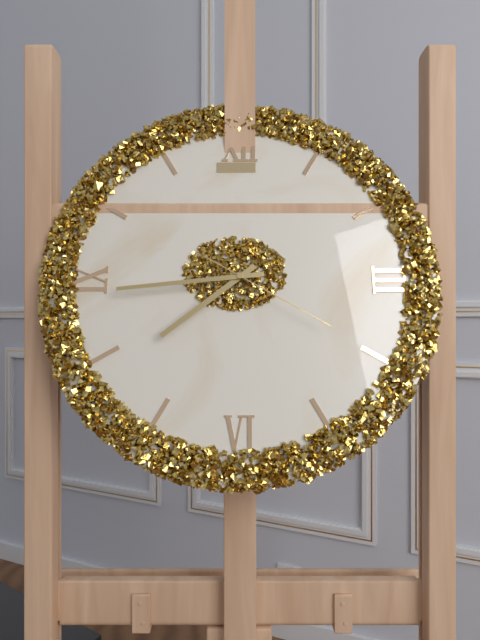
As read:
{"hour": 7, "minute": 44, "second": 20}
